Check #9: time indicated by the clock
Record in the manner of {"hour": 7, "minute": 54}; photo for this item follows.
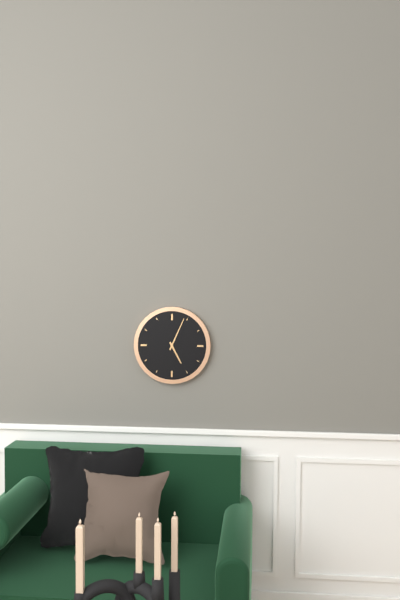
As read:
{"hour": 5, "minute": 4}
